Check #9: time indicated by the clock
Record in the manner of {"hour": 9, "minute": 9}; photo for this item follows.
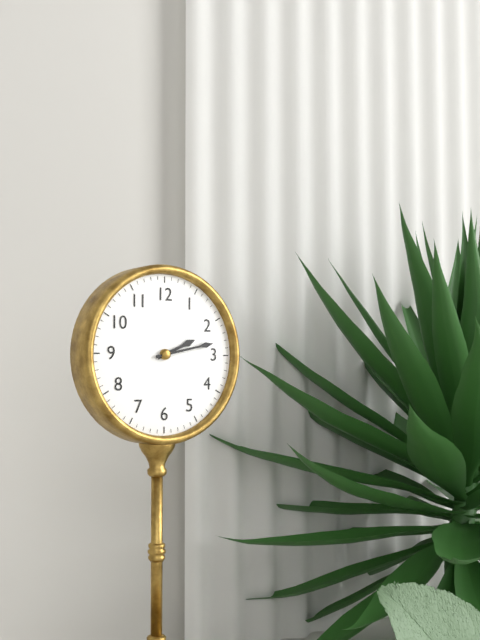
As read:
{"hour": 2, "minute": 13}
